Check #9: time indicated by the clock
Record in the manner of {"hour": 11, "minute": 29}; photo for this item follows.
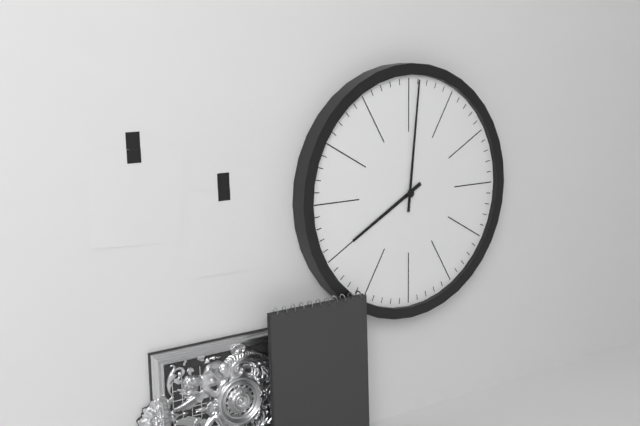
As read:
{"hour": 8, "minute": 1}
